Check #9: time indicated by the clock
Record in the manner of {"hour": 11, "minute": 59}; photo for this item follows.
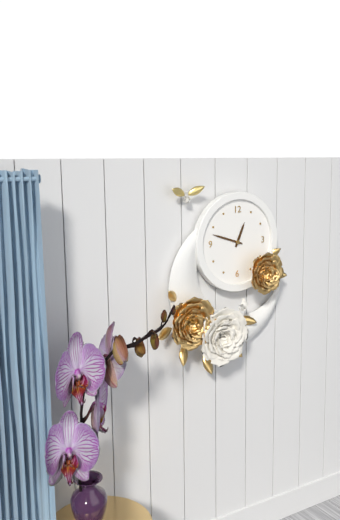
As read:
{"hour": 12, "minute": 48}
